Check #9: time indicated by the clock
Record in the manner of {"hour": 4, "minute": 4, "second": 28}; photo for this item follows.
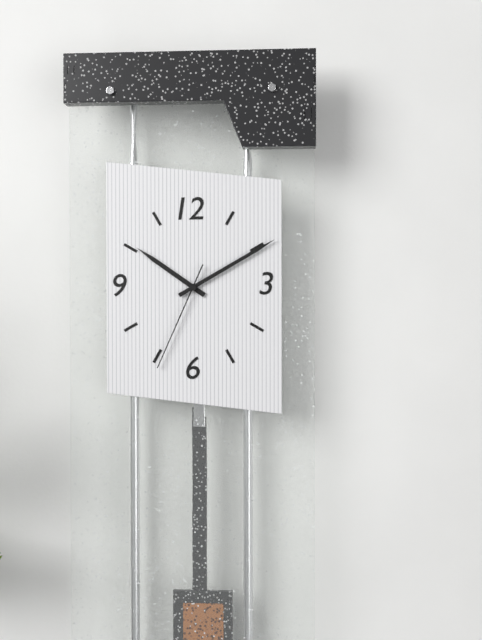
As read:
{"hour": 10, "minute": 10, "second": 34}
